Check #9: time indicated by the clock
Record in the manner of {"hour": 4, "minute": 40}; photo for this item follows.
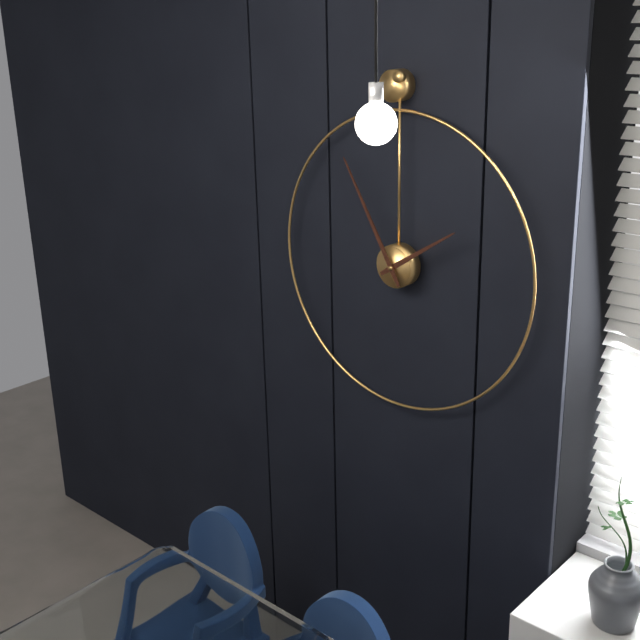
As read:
{"hour": 1, "minute": 55}
